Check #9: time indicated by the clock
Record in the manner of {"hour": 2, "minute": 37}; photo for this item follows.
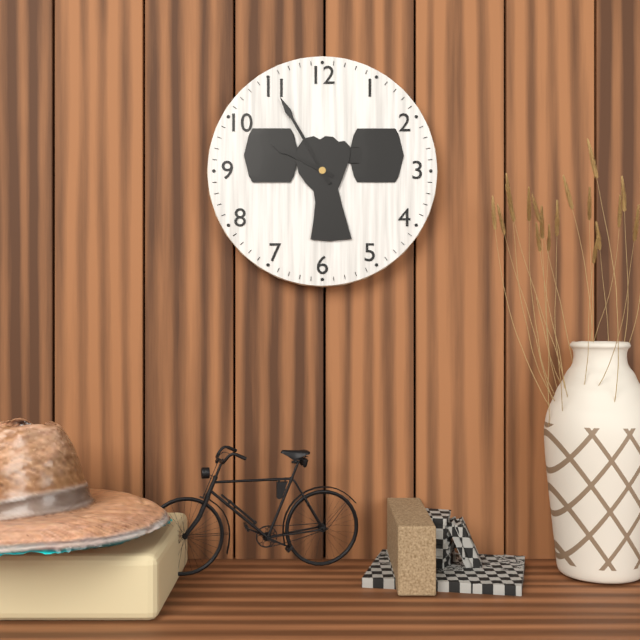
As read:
{"hour": 9, "minute": 55}
